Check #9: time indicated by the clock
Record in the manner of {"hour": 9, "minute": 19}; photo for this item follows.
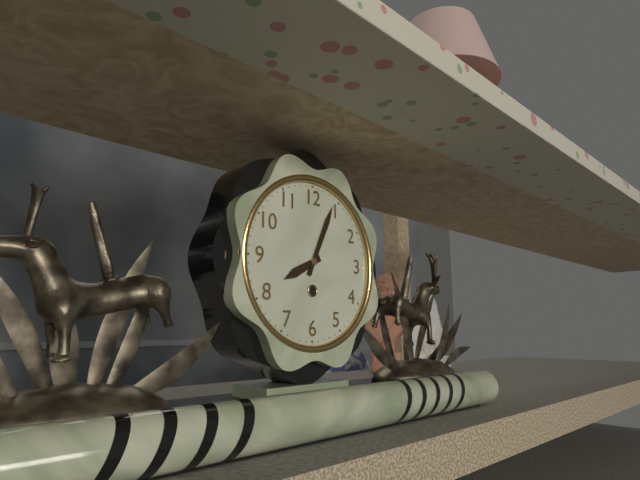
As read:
{"hour": 8, "minute": 4}
